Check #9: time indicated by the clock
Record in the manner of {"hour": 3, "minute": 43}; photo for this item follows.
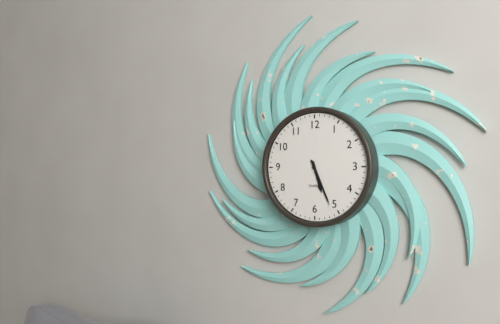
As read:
{"hour": 5, "minute": 26}
